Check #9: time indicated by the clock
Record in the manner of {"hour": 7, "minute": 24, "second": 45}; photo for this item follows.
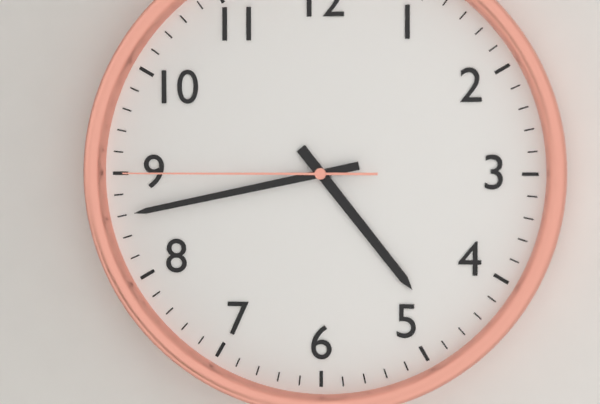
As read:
{"hour": 4, "minute": 43, "second": 45}
